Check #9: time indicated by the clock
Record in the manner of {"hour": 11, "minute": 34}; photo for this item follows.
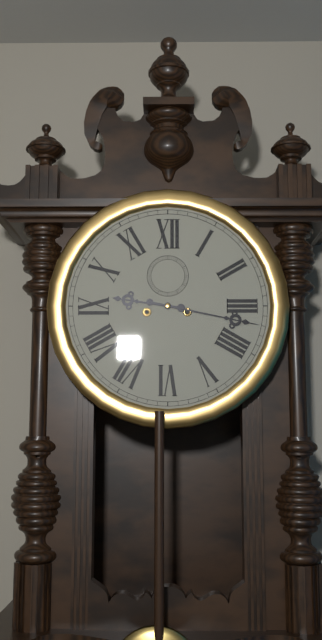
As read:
{"hour": 9, "minute": 17}
